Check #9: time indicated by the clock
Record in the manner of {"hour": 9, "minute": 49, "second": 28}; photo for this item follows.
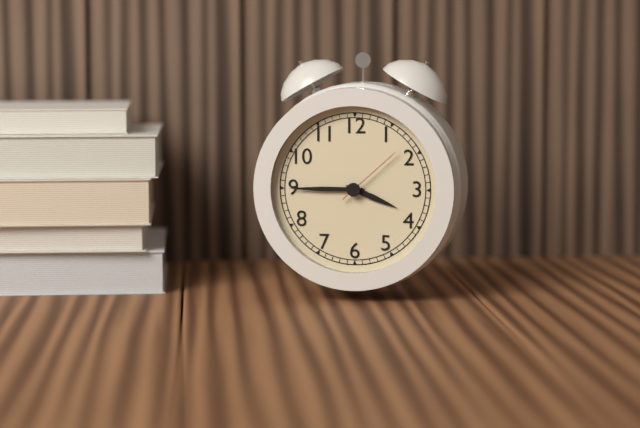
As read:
{"hour": 3, "minute": 45, "second": 8}
